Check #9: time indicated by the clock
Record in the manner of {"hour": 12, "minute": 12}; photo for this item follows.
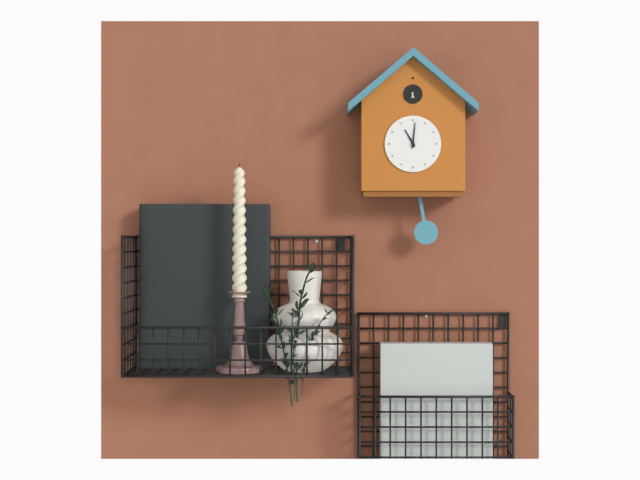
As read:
{"hour": 11, "minute": 1}
